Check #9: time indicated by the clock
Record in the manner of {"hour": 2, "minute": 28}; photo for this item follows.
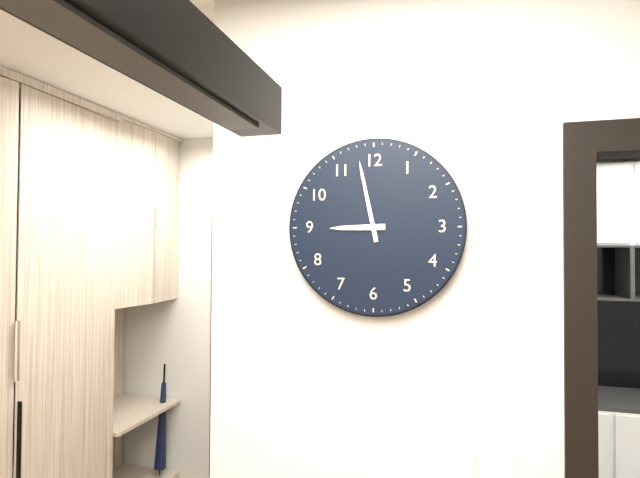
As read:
{"hour": 8, "minute": 58}
